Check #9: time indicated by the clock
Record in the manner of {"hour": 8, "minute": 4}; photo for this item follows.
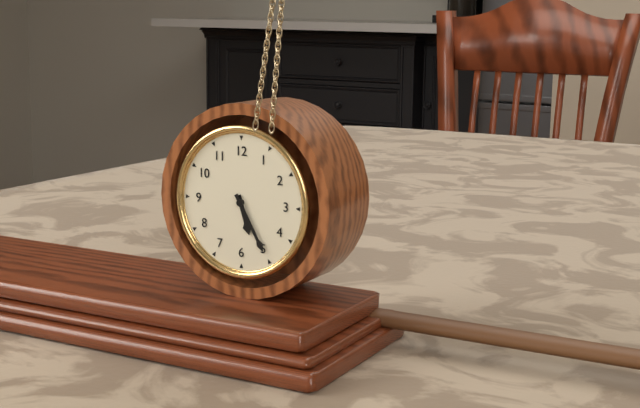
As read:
{"hour": 5, "minute": 25}
